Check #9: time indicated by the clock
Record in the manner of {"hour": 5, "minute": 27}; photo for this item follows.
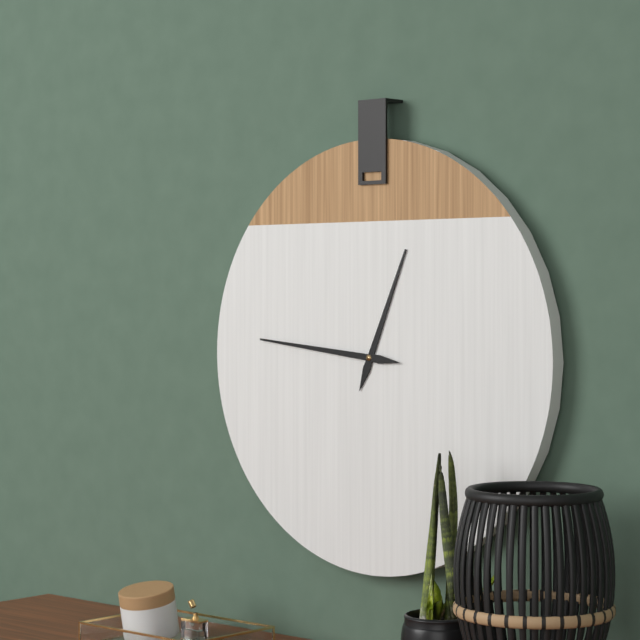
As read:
{"hour": 12, "minute": 46}
